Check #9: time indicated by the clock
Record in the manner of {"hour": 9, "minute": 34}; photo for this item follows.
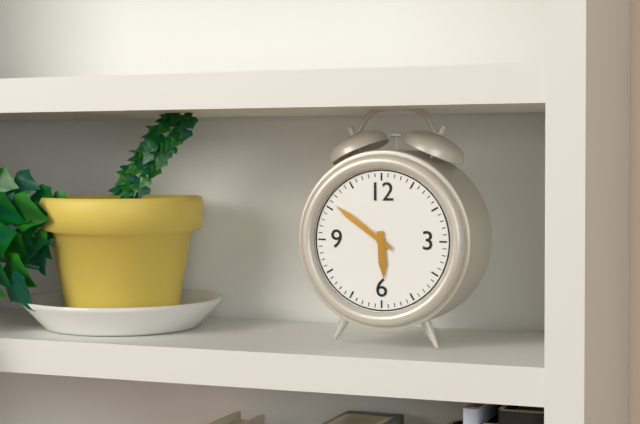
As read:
{"hour": 5, "minute": 51}
